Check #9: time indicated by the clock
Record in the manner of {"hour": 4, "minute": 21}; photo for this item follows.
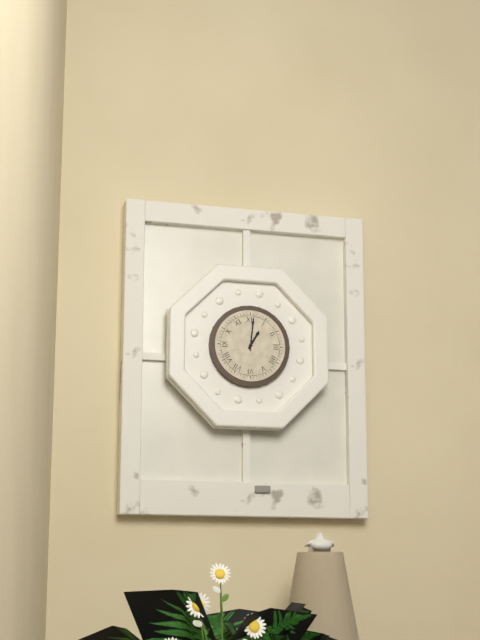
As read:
{"hour": 1, "minute": 1}
